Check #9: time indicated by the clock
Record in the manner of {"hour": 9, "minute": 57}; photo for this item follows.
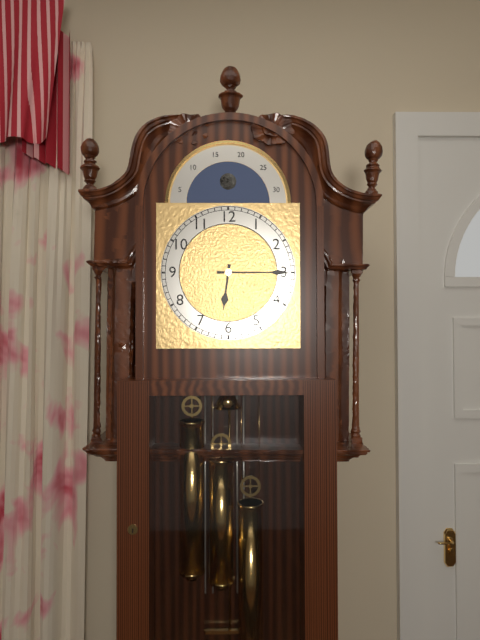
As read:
{"hour": 6, "minute": 15}
